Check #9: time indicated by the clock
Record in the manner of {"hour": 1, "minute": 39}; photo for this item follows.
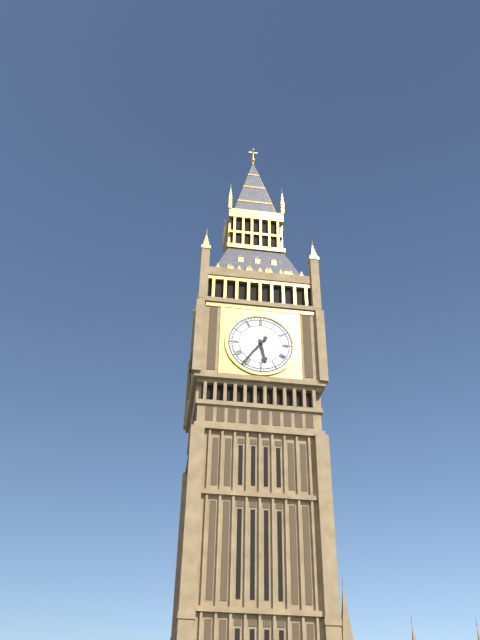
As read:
{"hour": 5, "minute": 36}
